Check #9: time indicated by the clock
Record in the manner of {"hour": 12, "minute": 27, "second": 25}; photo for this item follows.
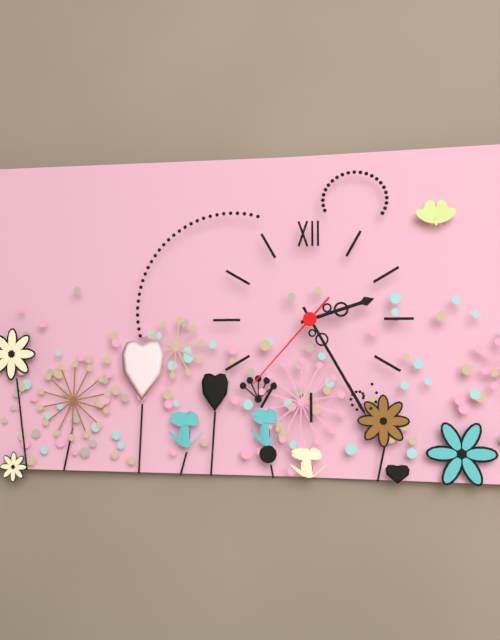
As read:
{"hour": 2, "minute": 25, "second": 37}
